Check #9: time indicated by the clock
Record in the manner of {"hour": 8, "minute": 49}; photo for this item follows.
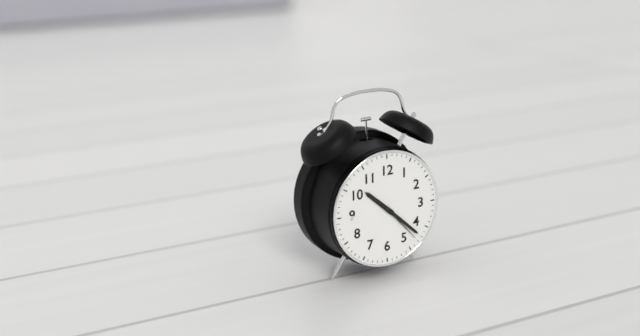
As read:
{"hour": 10, "minute": 22}
